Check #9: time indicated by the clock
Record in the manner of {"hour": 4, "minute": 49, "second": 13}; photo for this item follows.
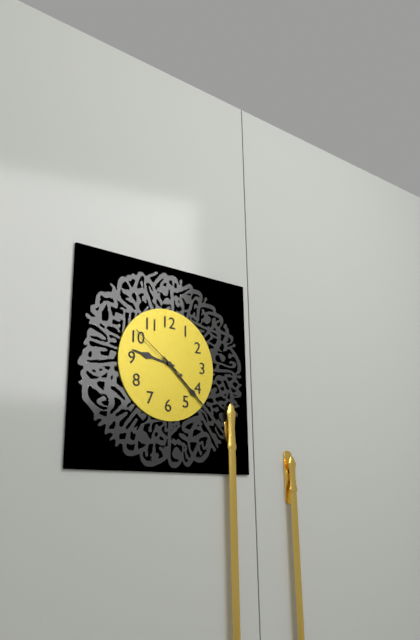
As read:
{"hour": 9, "minute": 22, "second": 51}
